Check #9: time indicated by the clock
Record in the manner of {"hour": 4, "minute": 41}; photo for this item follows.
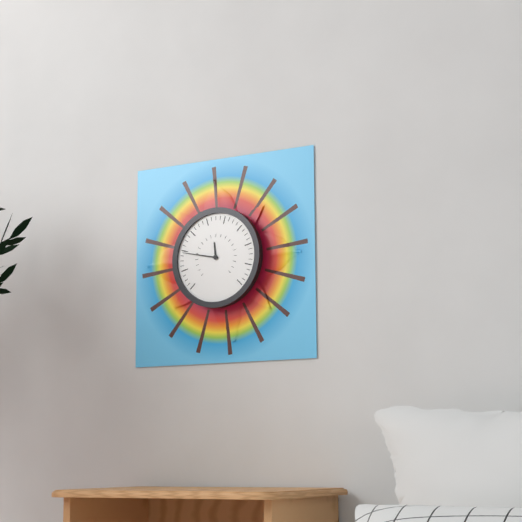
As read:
{"hour": 11, "minute": 47}
